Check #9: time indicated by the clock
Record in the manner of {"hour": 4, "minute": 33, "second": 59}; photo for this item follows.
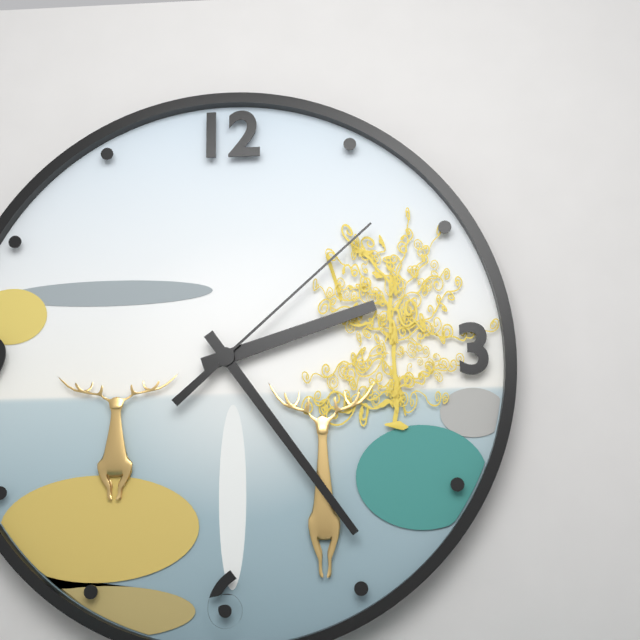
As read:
{"hour": 2, "minute": 24, "second": 8}
